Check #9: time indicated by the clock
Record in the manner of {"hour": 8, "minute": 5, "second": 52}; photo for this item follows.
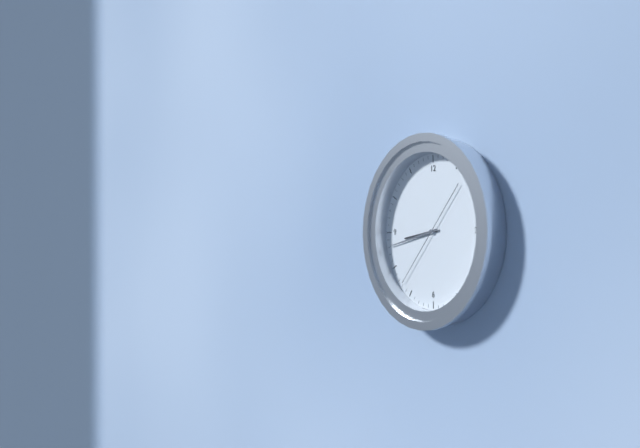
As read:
{"hour": 8, "minute": 43, "second": 37}
